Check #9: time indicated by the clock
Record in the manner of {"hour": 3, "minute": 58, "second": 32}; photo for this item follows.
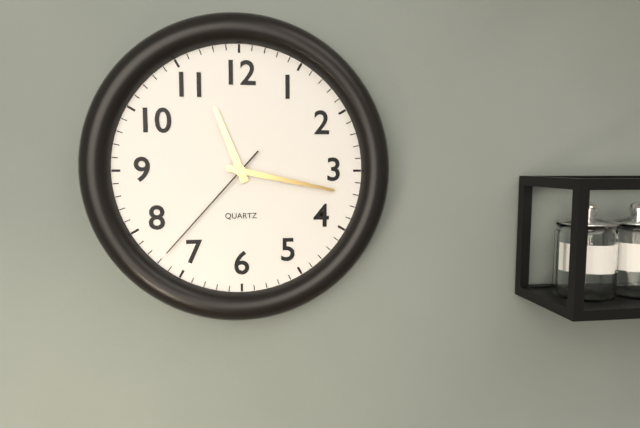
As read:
{"hour": 11, "minute": 17, "second": 37}
